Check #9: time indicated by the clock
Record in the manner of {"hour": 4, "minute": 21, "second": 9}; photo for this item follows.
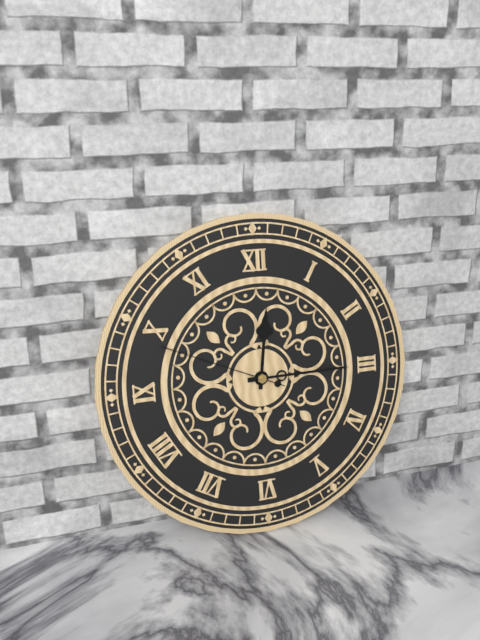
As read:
{"hour": 12, "minute": 15, "second": 49}
